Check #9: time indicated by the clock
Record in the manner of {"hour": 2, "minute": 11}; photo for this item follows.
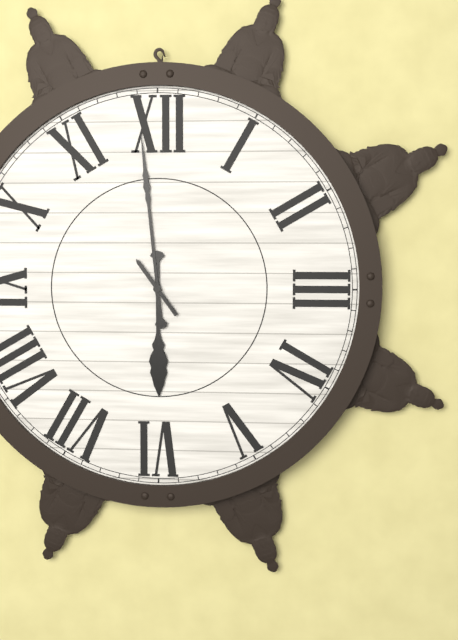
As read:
{"hour": 5, "minute": 59}
